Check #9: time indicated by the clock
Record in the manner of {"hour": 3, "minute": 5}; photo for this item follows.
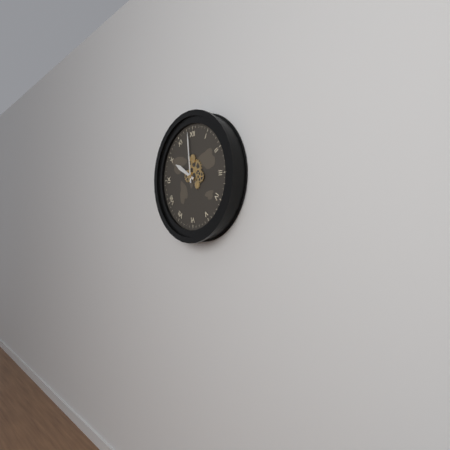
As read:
{"hour": 9, "minute": 59}
